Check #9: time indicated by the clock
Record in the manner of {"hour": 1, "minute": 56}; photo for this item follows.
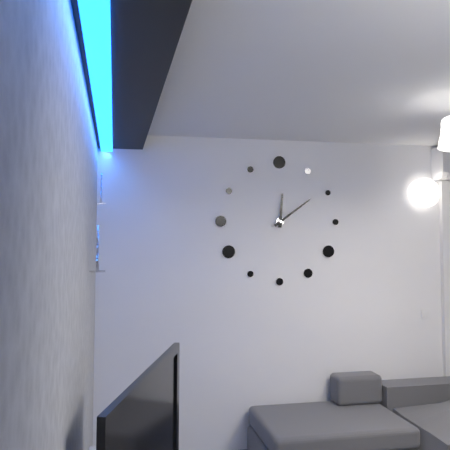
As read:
{"hour": 12, "minute": 9}
